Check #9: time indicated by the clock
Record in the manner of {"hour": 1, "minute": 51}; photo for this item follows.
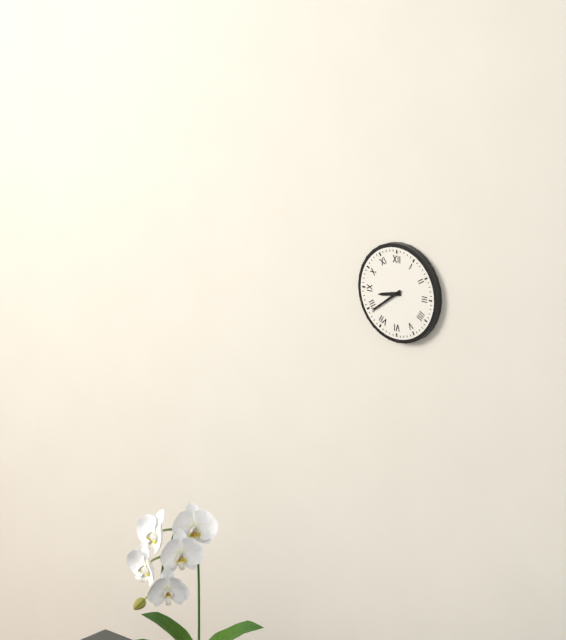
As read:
{"hour": 8, "minute": 39}
